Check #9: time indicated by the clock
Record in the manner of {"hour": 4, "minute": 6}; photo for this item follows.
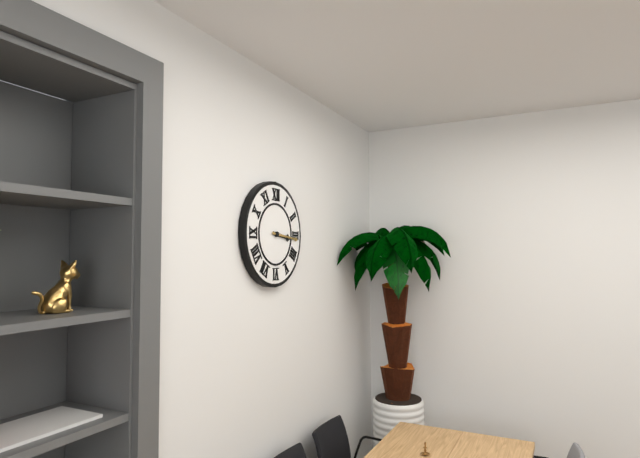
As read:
{"hour": 3, "minute": 16}
